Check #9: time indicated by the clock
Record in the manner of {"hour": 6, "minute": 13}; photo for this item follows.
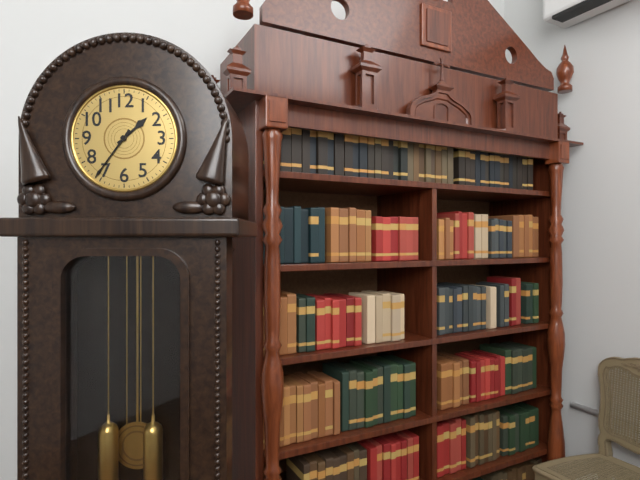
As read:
{"hour": 1, "minute": 36}
